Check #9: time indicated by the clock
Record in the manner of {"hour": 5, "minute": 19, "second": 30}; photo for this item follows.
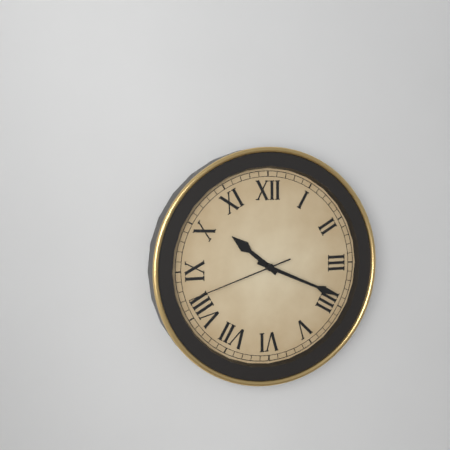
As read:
{"hour": 10, "minute": 19, "second": 42}
